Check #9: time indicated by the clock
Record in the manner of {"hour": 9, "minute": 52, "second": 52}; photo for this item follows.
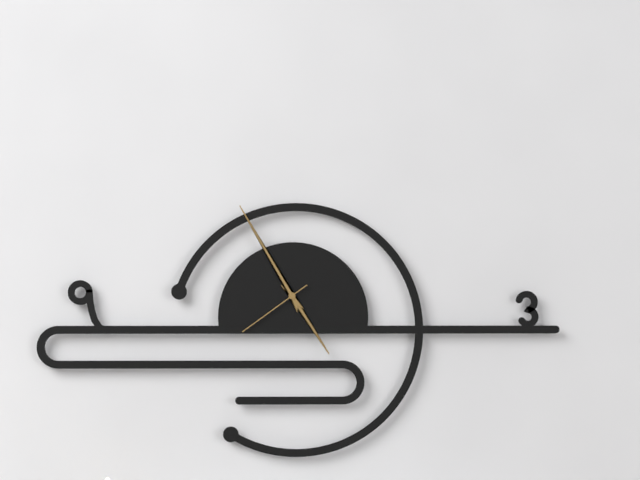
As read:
{"hour": 4, "minute": 55, "second": 39}
